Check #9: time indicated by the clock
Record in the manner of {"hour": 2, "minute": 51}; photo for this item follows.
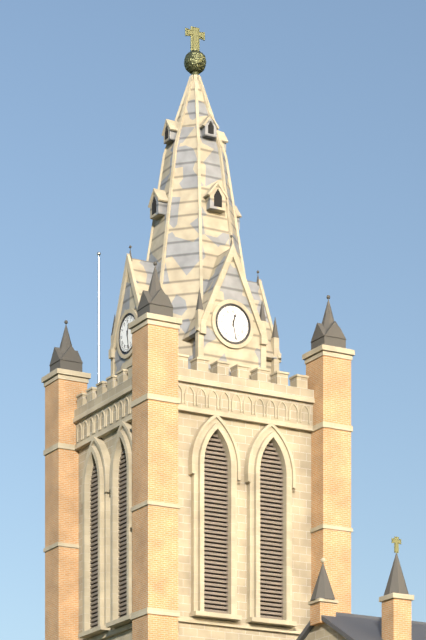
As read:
{"hour": 12, "minute": 28}
